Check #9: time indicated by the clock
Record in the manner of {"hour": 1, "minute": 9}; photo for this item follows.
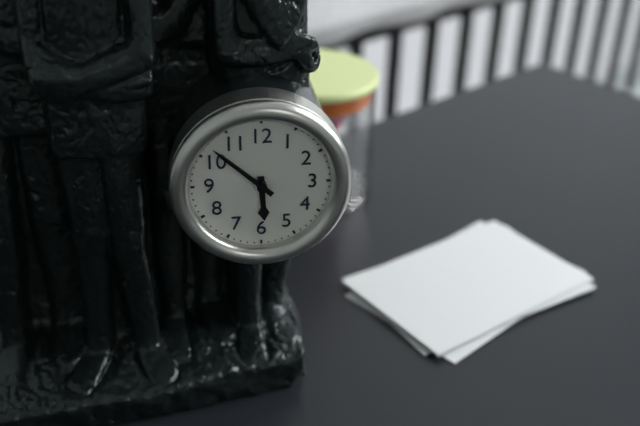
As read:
{"hour": 5, "minute": 52}
